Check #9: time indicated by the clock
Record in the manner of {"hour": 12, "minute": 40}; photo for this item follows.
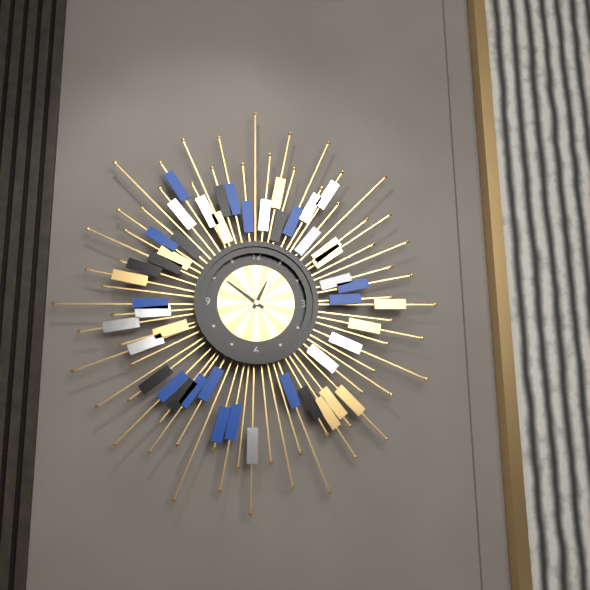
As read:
{"hour": 12, "minute": 51}
